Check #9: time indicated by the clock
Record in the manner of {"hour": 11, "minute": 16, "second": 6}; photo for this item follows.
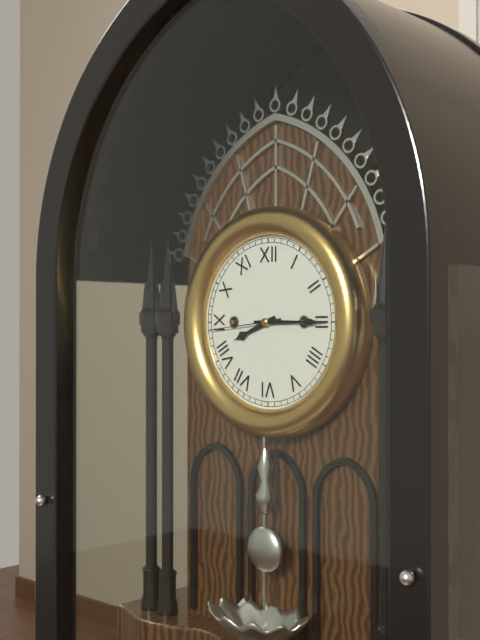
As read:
{"hour": 8, "minute": 15, "second": 44}
